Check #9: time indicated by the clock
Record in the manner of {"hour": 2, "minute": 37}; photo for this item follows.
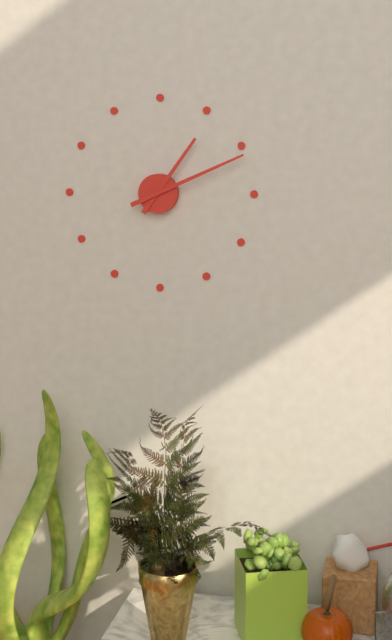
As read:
{"hour": 1, "minute": 11}
